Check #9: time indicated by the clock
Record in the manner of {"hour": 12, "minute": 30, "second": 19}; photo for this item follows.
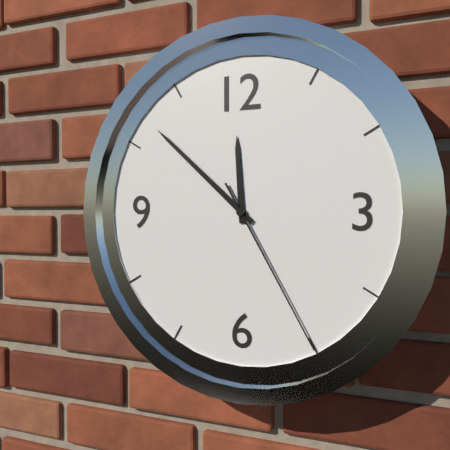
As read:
{"hour": 11, "minute": 52, "second": 25}
